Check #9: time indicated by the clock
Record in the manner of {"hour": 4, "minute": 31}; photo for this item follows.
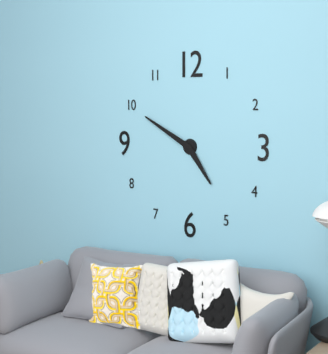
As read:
{"hour": 4, "minute": 50}
